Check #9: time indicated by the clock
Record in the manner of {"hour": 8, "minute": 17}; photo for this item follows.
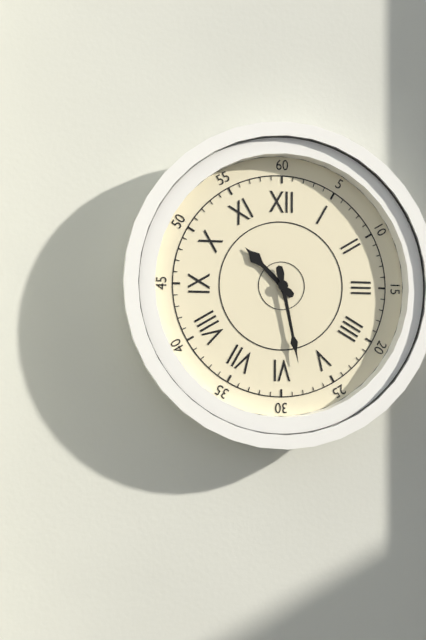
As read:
{"hour": 10, "minute": 28}
